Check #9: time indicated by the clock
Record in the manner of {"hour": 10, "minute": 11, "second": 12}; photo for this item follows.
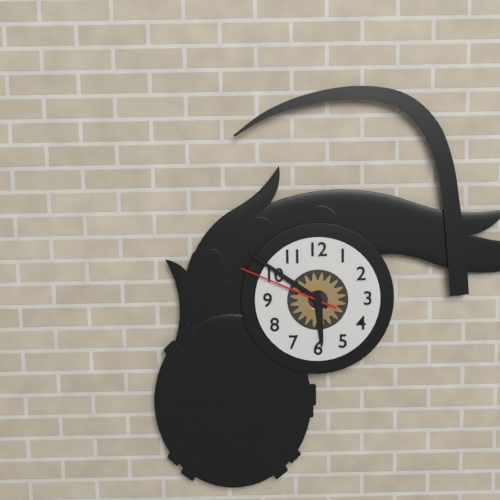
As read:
{"hour": 5, "minute": 51, "second": 49}
